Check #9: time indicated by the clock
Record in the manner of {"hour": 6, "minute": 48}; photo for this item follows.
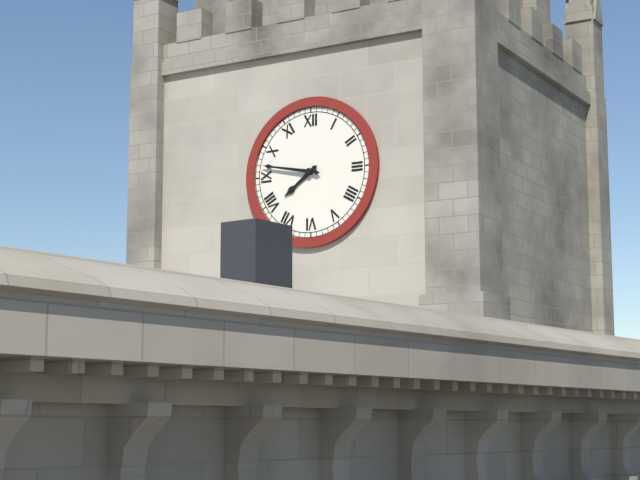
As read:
{"hour": 7, "minute": 47}
